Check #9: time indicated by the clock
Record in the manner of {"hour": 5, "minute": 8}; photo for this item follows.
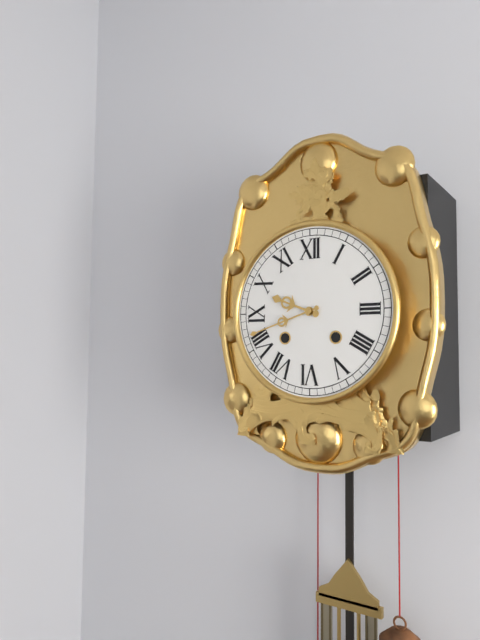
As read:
{"hour": 9, "minute": 42}
